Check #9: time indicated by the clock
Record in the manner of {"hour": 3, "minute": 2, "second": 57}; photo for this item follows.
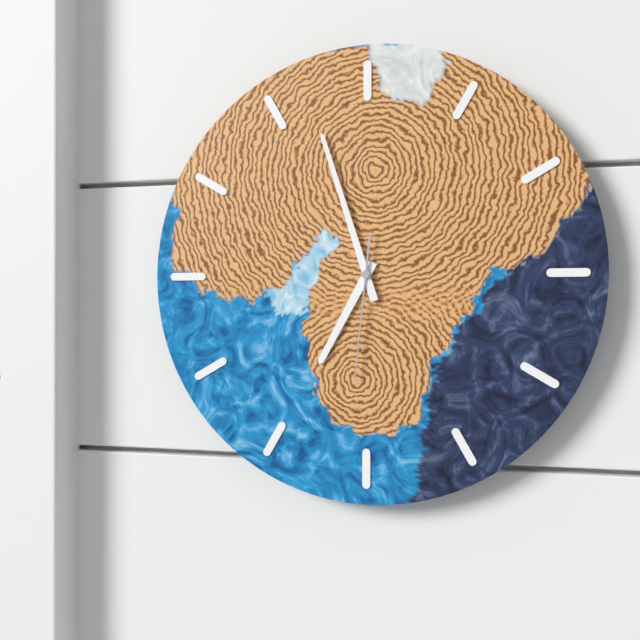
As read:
{"hour": 6, "minute": 57, "second": 31}
